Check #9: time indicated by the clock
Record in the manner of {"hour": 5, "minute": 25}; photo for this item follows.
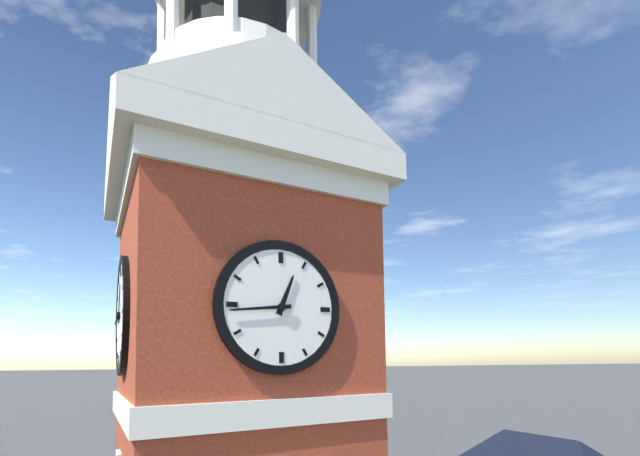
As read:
{"hour": 12, "minute": 44}
